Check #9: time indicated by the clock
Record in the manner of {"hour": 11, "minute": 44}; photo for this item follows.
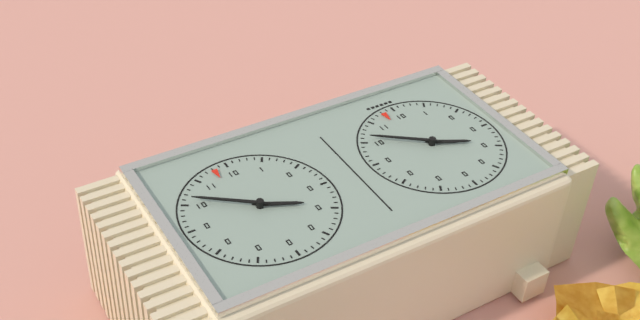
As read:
{"hour": 3, "minute": 51}
